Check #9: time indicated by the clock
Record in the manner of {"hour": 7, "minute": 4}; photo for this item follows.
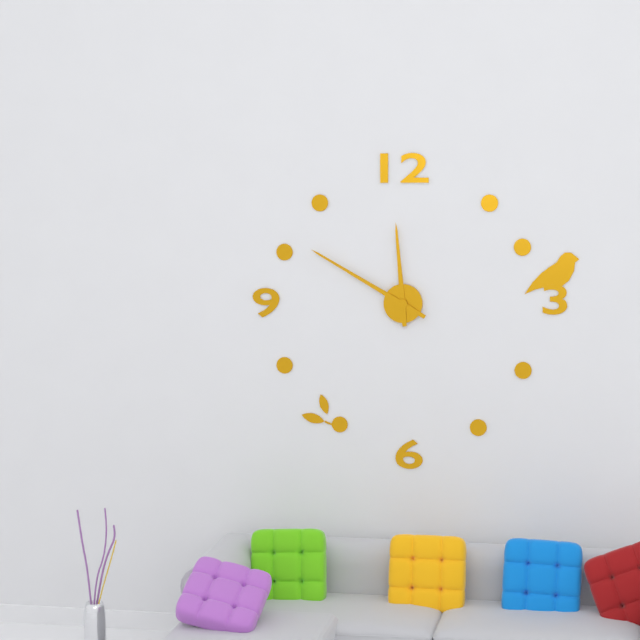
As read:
{"hour": 11, "minute": 50}
